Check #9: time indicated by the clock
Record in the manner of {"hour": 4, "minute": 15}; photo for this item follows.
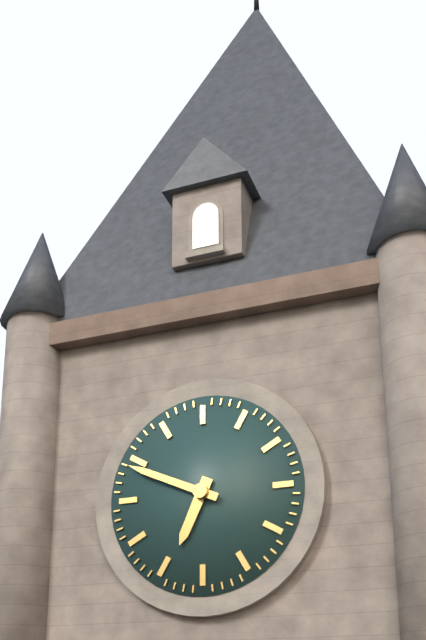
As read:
{"hour": 6, "minute": 49}
